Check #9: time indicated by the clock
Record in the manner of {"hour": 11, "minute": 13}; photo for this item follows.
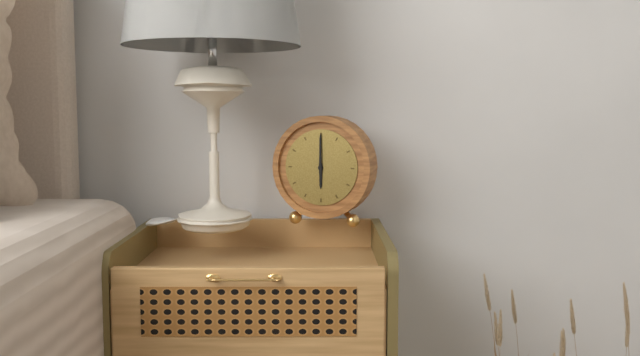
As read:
{"hour": 6, "minute": 0}
